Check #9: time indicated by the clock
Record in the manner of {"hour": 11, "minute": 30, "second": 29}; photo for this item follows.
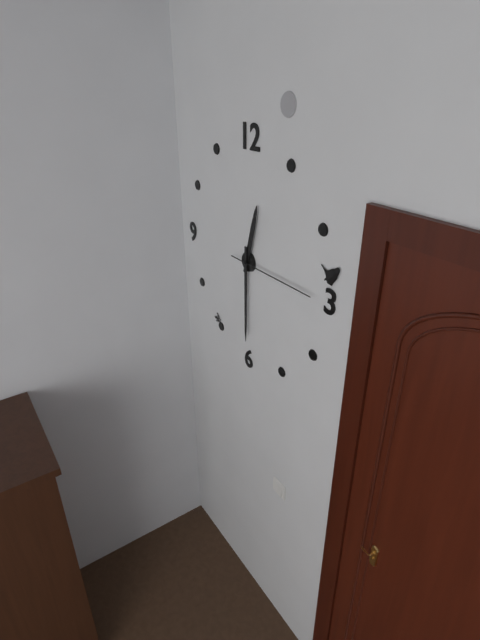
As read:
{"hour": 12, "minute": 30, "second": 15}
